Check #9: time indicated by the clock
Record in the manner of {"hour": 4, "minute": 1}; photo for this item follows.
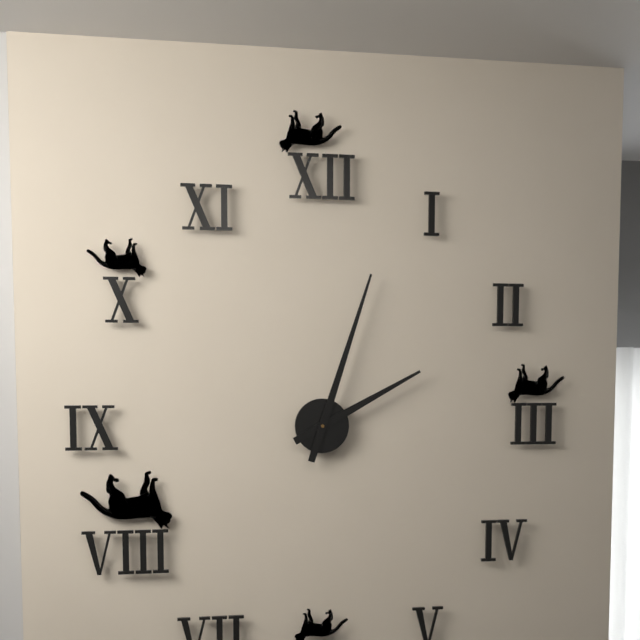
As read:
{"hour": 2, "minute": 3}
